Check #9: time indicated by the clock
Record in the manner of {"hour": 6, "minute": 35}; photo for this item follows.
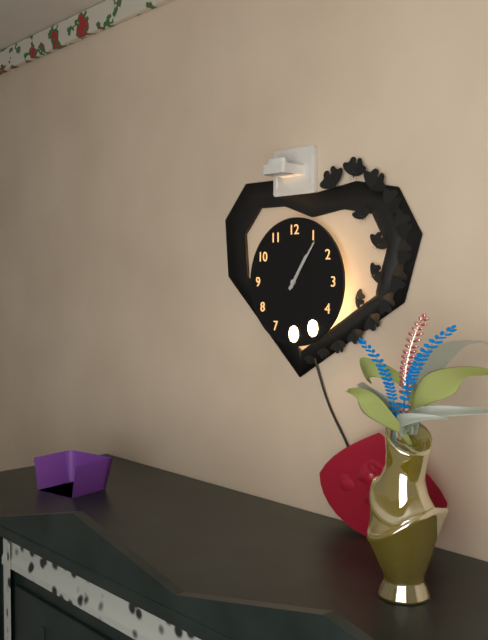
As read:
{"hour": 1, "minute": 6}
